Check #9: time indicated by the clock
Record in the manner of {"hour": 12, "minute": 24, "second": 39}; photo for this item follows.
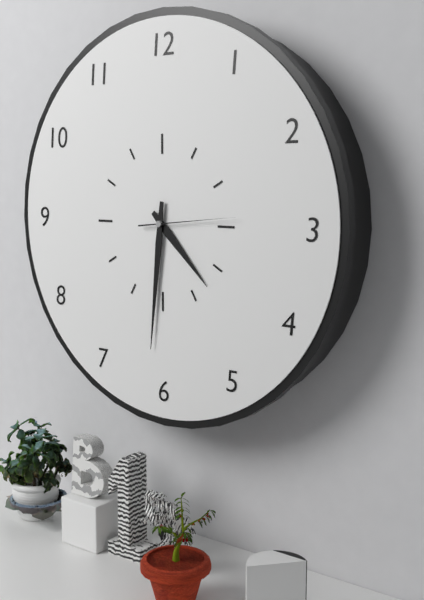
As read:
{"hour": 4, "minute": 31, "second": 14}
